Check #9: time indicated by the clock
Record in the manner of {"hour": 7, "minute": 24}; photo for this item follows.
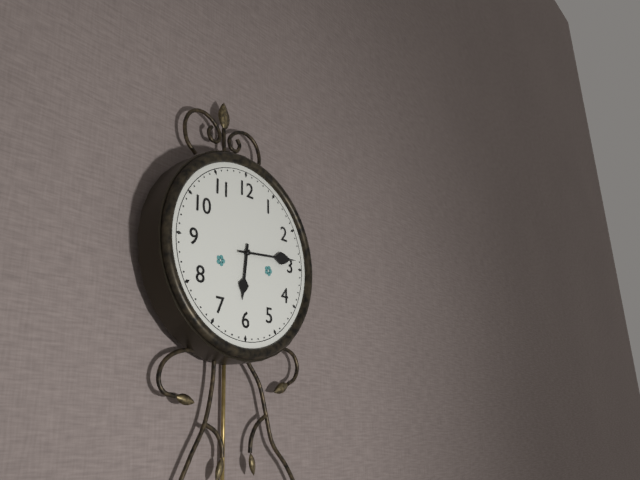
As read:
{"hour": 6, "minute": 14}
